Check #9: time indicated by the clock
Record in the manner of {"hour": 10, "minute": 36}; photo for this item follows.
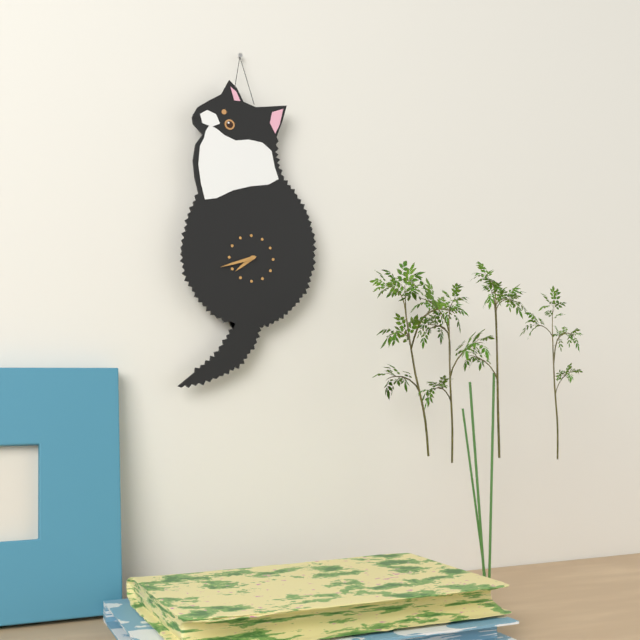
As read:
{"hour": 7, "minute": 42}
